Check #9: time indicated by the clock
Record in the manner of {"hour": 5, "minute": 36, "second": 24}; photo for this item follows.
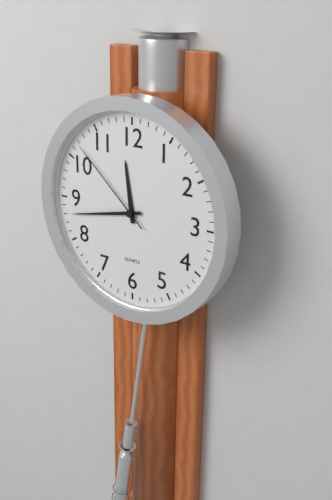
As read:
{"hour": 11, "minute": 43, "second": 52}
